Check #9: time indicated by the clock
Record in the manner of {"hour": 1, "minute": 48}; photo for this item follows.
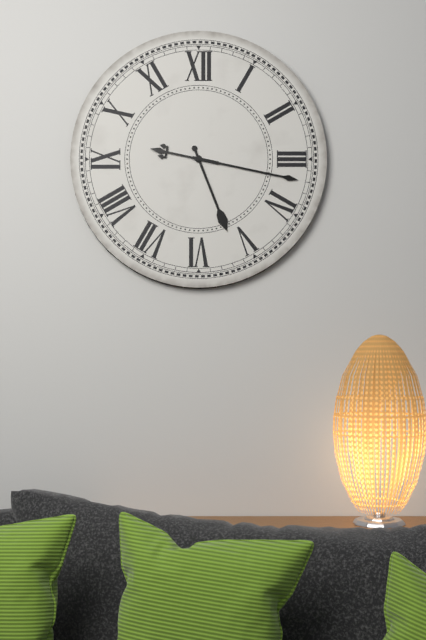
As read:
{"hour": 5, "minute": 17}
